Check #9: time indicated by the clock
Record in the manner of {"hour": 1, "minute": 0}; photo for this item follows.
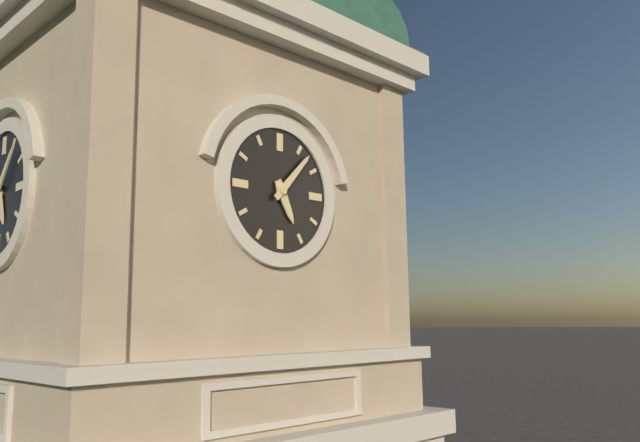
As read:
{"hour": 5, "minute": 7}
